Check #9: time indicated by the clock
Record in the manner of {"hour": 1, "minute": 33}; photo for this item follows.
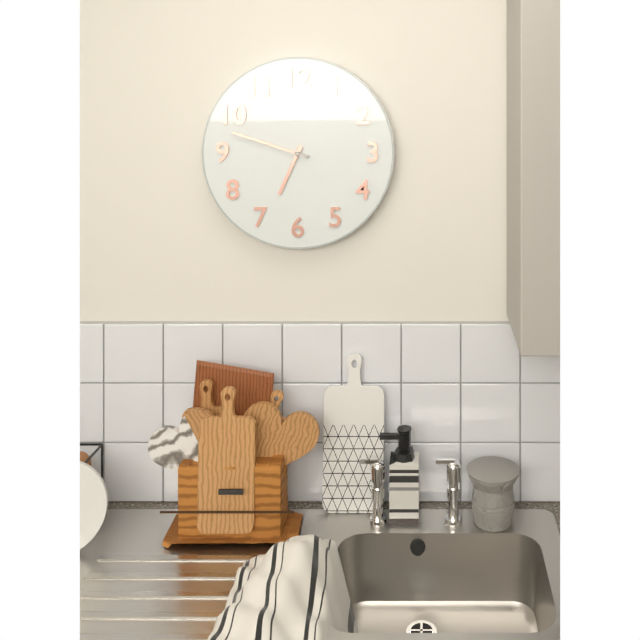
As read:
{"hour": 6, "minute": 48}
